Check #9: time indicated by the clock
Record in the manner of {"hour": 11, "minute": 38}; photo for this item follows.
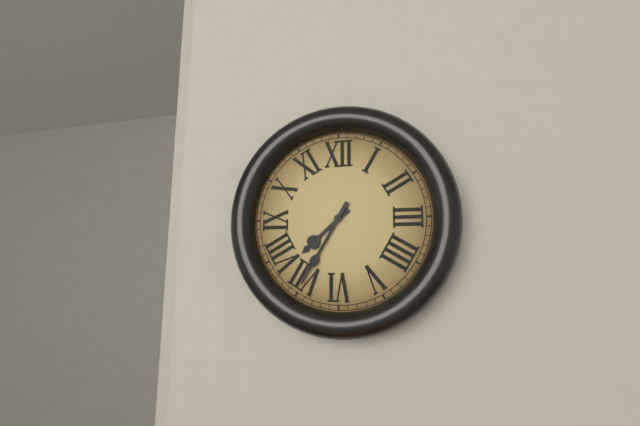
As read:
{"hour": 7, "minute": 35}
